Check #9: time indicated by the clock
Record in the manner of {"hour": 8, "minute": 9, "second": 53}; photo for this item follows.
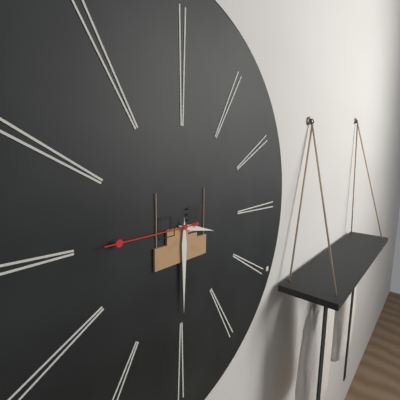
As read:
{"hour": 3, "minute": 30, "second": 45}
